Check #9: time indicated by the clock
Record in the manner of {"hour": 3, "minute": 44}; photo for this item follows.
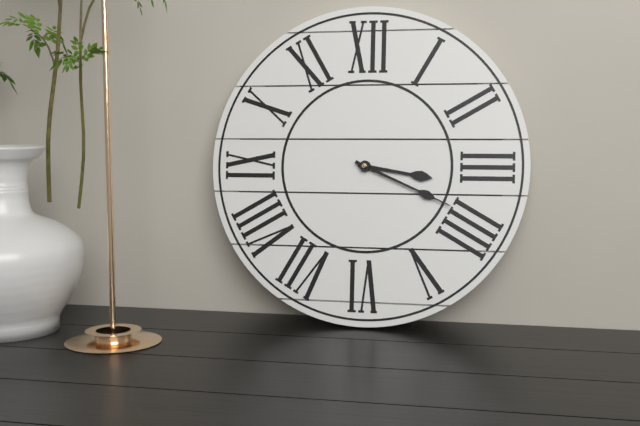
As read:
{"hour": 3, "minute": 19}
